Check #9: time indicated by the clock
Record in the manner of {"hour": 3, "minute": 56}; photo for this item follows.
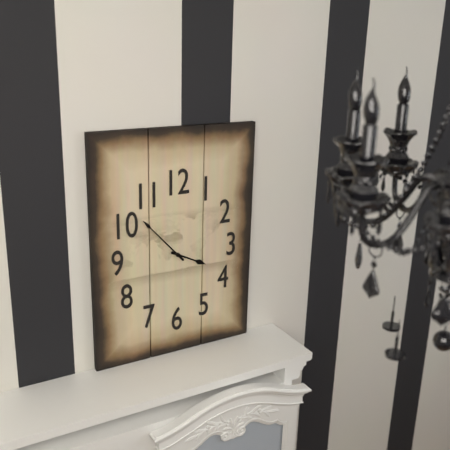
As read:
{"hour": 3, "minute": 53}
